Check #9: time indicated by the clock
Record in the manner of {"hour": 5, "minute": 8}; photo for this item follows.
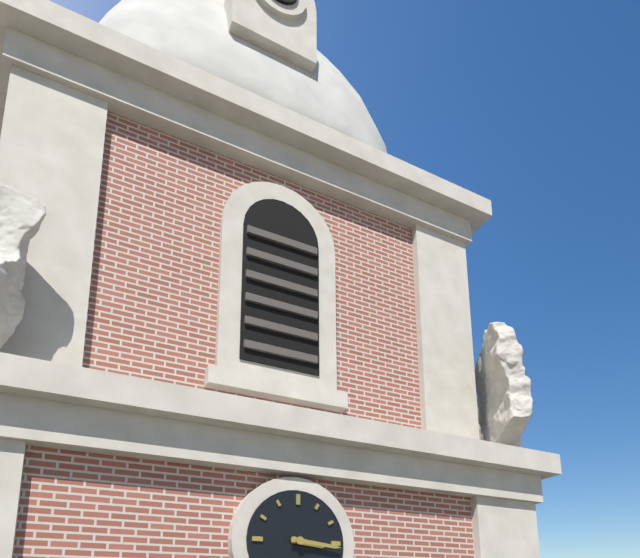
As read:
{"hour": 3, "minute": 16}
